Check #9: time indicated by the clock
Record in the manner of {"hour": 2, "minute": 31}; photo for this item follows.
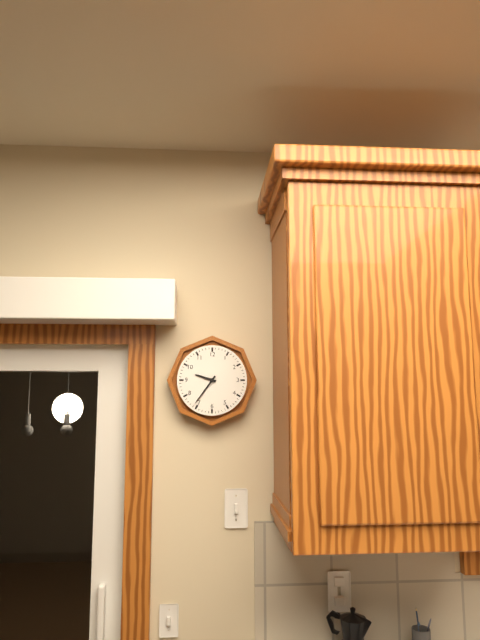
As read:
{"hour": 9, "minute": 36}
